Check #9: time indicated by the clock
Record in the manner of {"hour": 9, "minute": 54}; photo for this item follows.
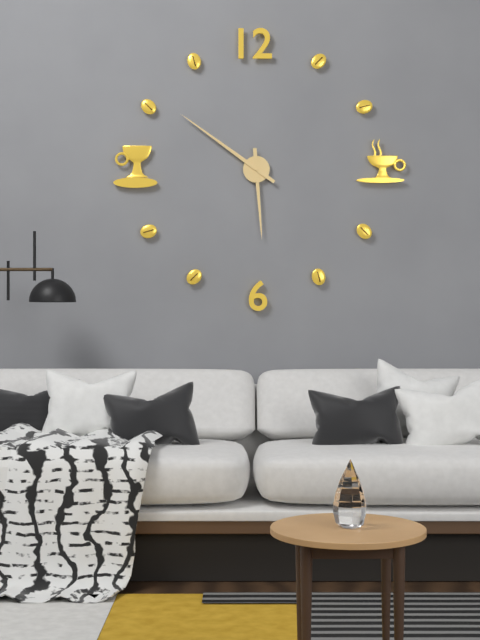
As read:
{"hour": 5, "minute": 51}
